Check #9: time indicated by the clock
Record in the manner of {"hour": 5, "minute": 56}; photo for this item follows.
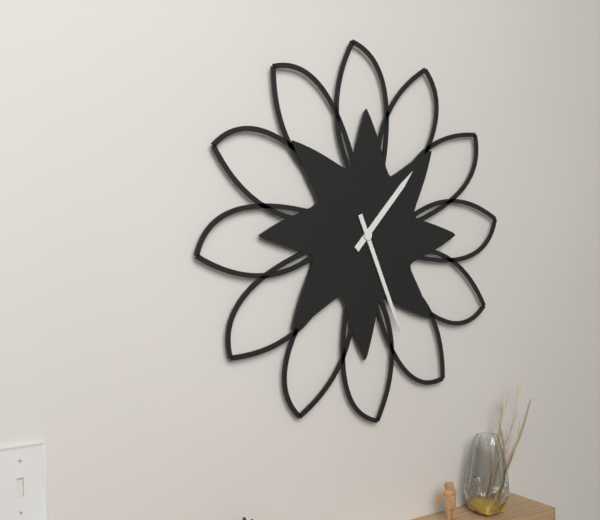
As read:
{"hour": 1, "minute": 26}
